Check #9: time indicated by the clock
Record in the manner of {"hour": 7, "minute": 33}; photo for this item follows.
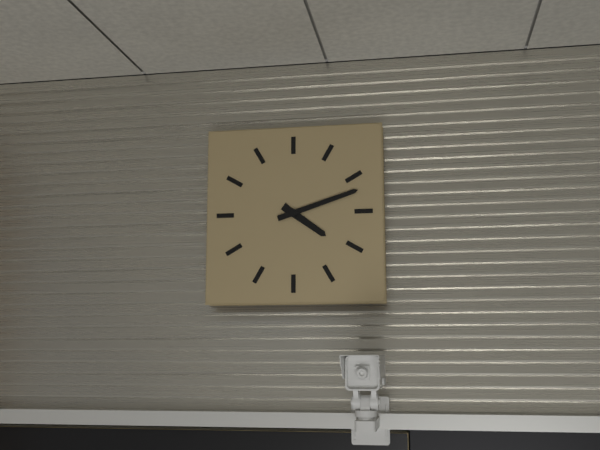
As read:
{"hour": 4, "minute": 12}
